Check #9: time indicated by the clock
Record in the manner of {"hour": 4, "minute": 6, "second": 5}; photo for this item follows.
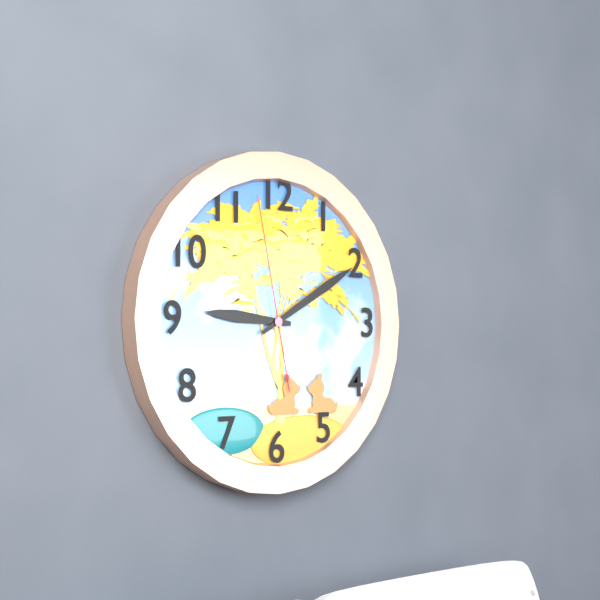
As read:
{"hour": 9, "minute": 10, "second": 58}
